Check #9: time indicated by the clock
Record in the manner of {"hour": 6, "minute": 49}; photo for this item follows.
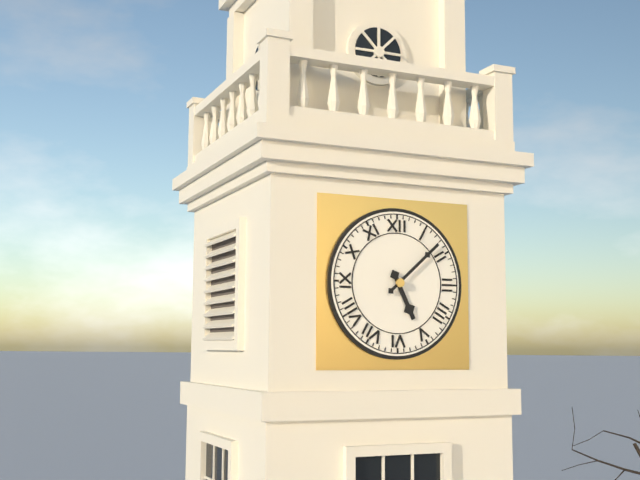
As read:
{"hour": 5, "minute": 8}
